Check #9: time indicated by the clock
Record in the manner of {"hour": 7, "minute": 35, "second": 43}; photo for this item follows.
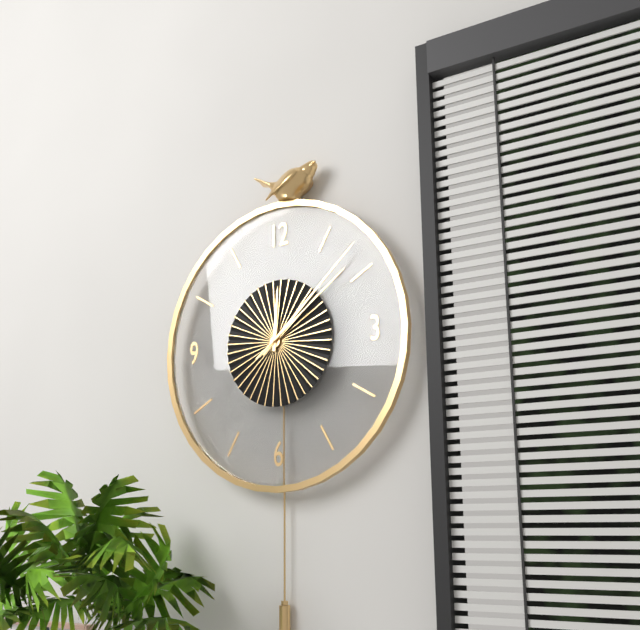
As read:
{"hour": 12, "minute": 8, "second": 9}
